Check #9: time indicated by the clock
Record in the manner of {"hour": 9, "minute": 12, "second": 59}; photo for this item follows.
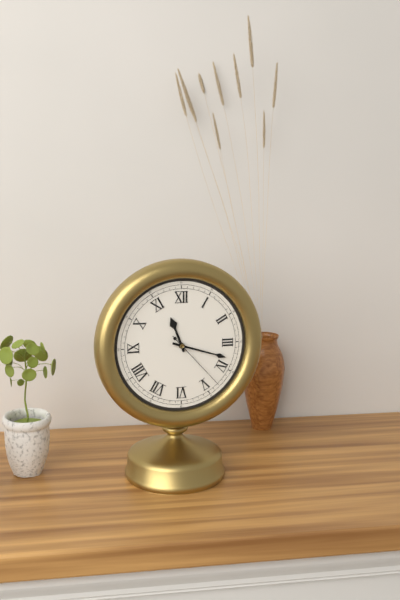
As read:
{"hour": 11, "minute": 18, "second": 23}
